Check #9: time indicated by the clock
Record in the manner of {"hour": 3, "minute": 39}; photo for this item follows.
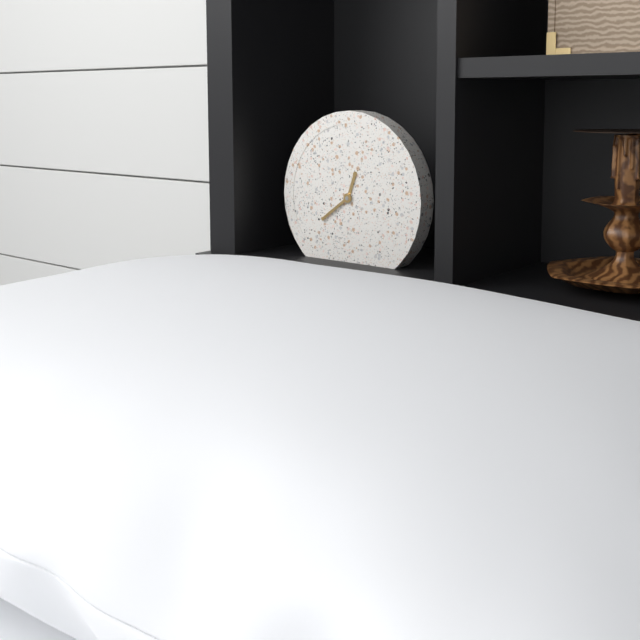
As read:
{"hour": 12, "minute": 39}
